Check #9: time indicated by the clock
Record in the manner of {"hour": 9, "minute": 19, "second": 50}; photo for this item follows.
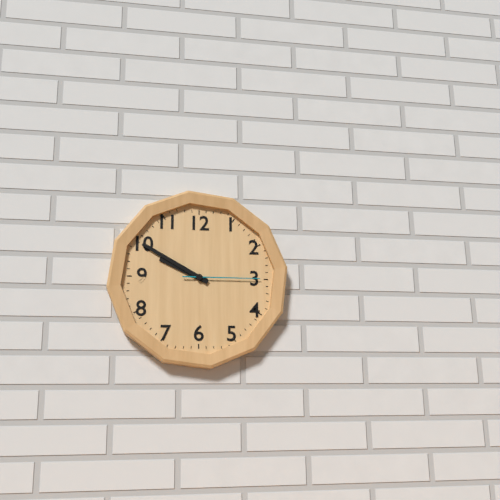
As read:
{"hour": 9, "minute": 50, "second": 15}
